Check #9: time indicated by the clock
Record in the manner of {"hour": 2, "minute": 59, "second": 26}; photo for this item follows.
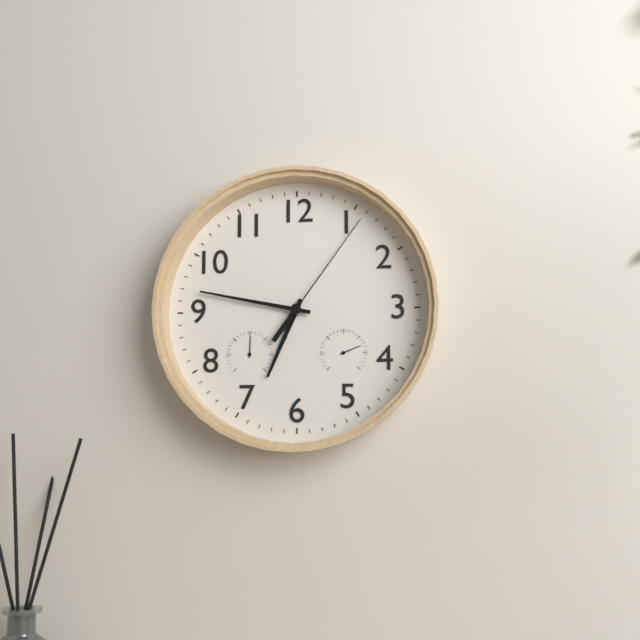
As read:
{"hour": 6, "minute": 47, "second": 6}
